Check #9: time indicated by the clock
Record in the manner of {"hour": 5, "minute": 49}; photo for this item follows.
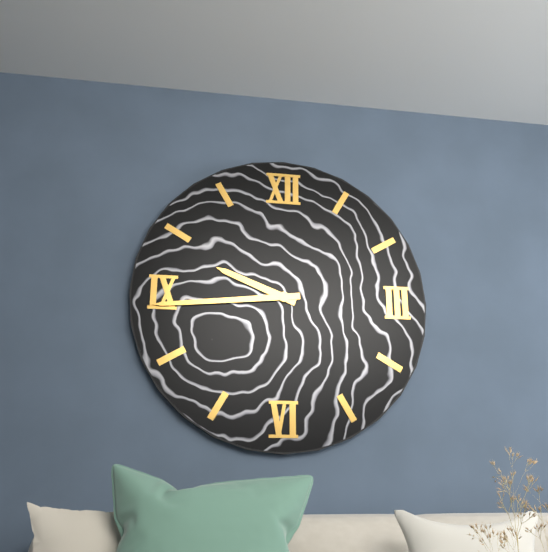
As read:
{"hour": 9, "minute": 44}
